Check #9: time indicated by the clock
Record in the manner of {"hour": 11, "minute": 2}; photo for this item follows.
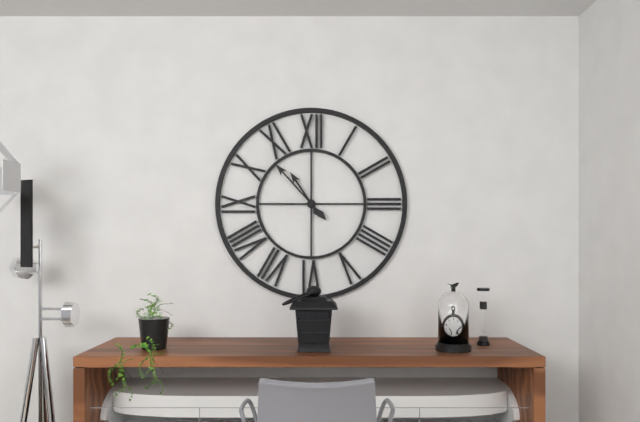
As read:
{"hour": 10, "minute": 53}
